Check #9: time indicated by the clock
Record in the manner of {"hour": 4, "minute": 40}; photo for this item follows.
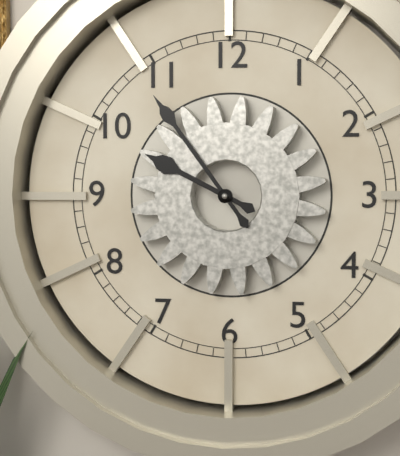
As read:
{"hour": 9, "minute": 54}
